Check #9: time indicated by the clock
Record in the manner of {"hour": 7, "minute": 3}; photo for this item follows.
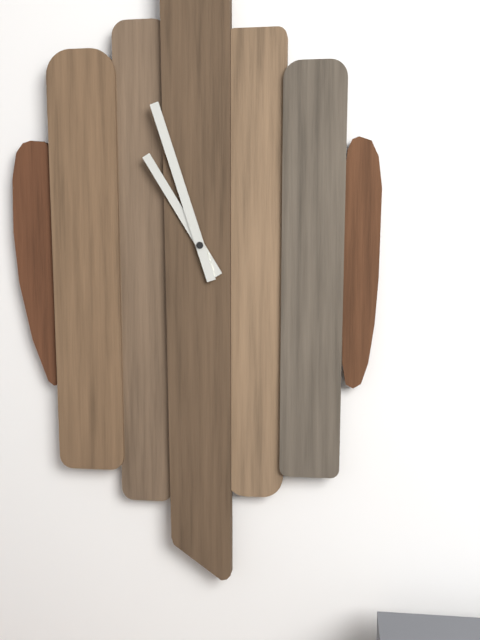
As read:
{"hour": 10, "minute": 57}
